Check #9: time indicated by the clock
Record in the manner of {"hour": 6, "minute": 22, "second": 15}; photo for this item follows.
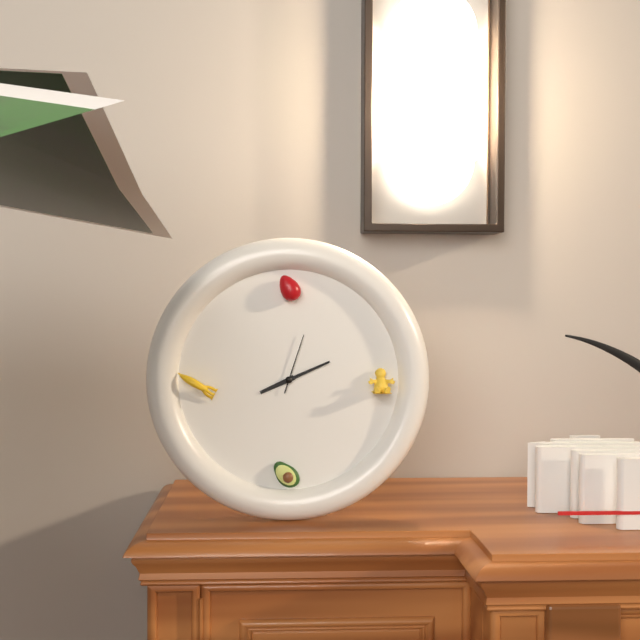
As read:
{"hour": 8, "minute": 11, "second": 3}
